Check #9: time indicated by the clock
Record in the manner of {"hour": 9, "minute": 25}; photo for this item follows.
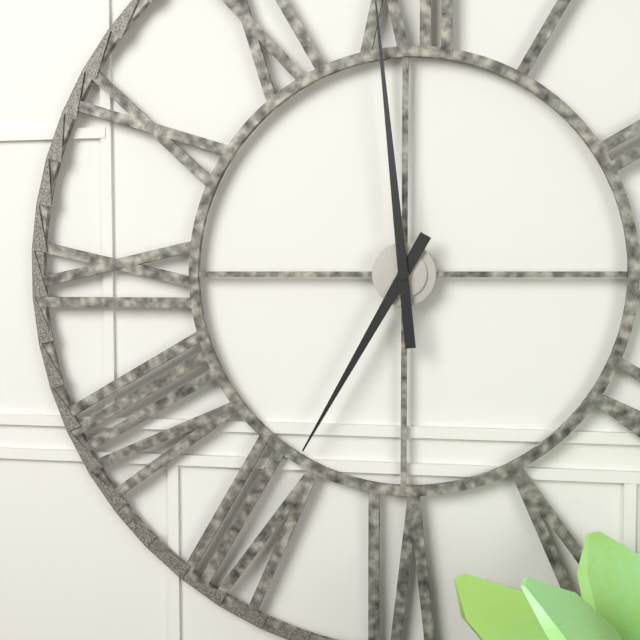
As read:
{"hour": 6, "minute": 59}
